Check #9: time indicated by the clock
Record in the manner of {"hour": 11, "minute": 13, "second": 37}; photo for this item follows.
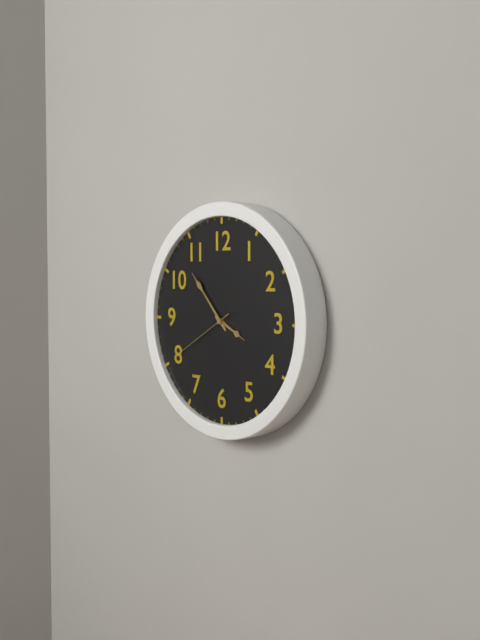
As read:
{"hour": 3, "minute": 53, "second": 40}
